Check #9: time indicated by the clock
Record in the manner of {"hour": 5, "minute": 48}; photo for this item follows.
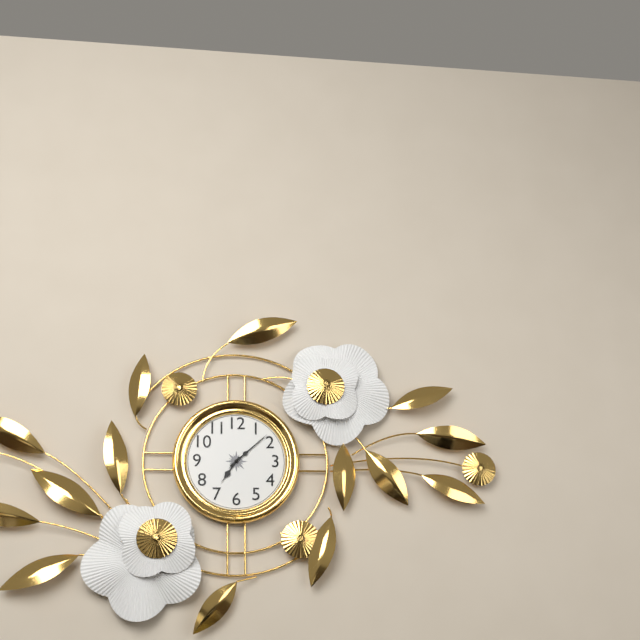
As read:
{"hour": 7, "minute": 8}
